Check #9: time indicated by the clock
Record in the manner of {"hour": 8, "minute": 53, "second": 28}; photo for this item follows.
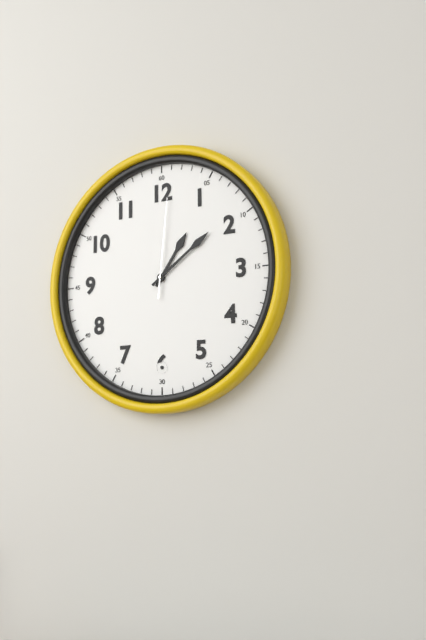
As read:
{"hour": 1, "minute": 9, "second": 1}
